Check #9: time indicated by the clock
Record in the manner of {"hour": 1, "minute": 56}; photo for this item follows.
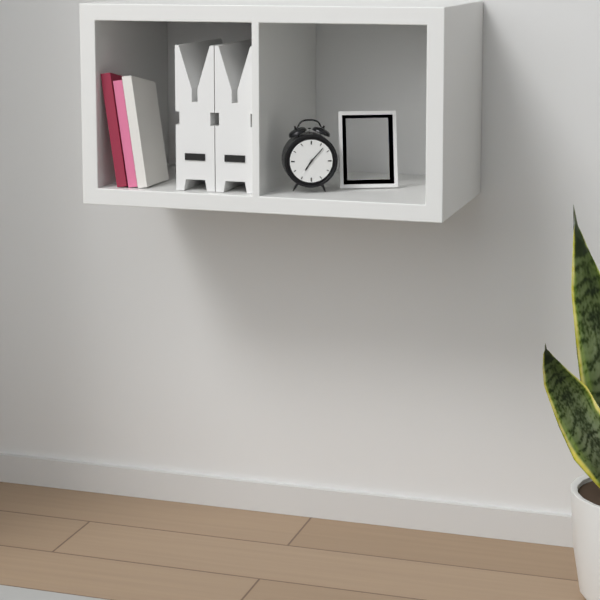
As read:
{"hour": 7, "minute": 7}
